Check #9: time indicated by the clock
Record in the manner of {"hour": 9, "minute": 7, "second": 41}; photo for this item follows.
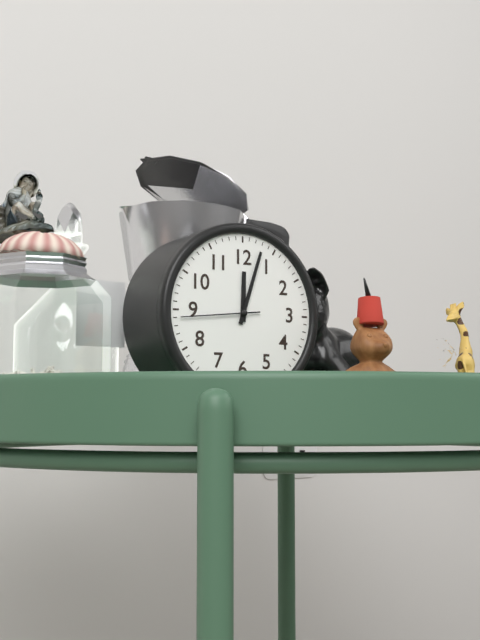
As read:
{"hour": 12, "minute": 3, "second": 44}
